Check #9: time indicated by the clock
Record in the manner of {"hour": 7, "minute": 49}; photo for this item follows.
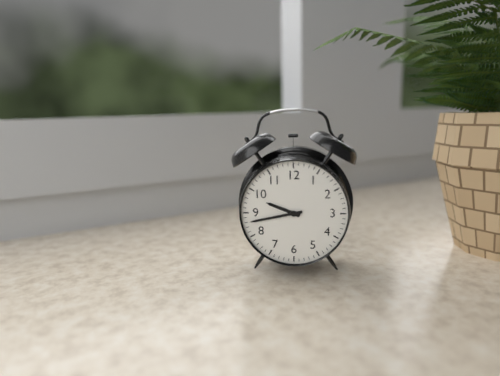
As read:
{"hour": 9, "minute": 43}
